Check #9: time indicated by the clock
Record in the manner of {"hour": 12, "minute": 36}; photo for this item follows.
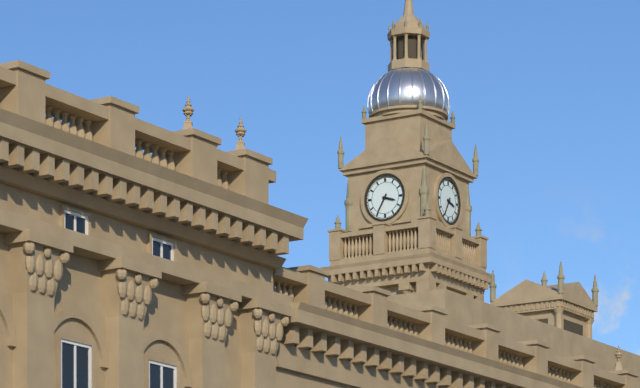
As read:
{"hour": 3, "minute": 35}
